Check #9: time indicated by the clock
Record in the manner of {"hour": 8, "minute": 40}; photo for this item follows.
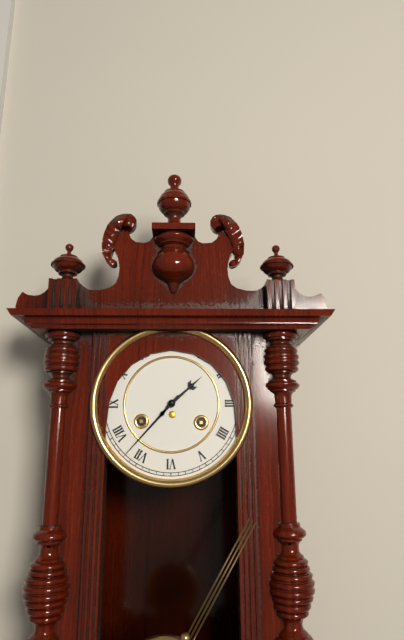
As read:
{"hour": 1, "minute": 37}
